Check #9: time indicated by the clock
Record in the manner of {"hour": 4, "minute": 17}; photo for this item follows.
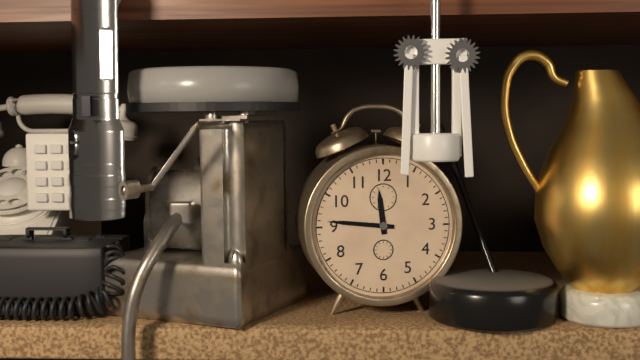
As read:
{"hour": 11, "minute": 46}
